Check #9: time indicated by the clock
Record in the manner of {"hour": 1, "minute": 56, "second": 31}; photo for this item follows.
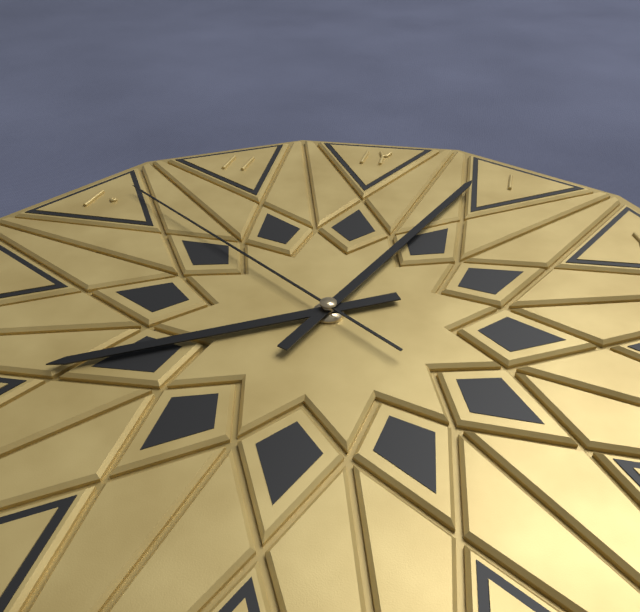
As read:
{"hour": 8, "minute": 4, "second": 51}
